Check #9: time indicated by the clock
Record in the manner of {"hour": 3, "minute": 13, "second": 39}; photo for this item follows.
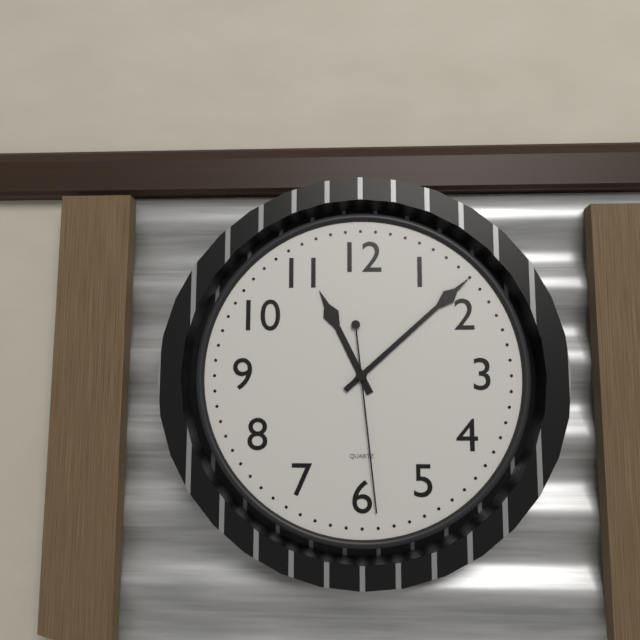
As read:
{"hour": 11, "minute": 8, "second": 29}
